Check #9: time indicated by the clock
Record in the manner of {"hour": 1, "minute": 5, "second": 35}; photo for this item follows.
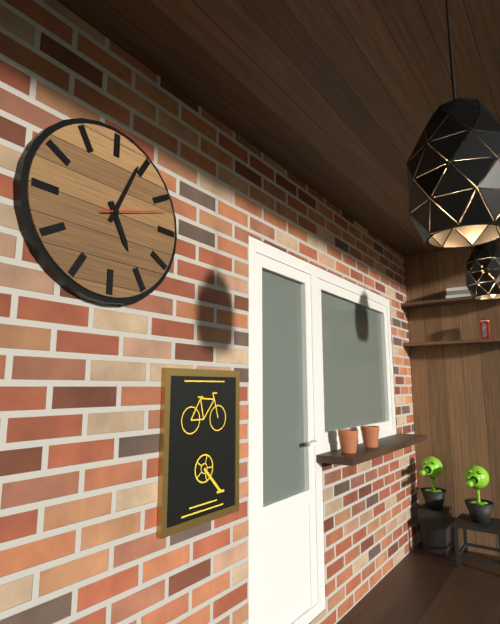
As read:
{"hour": 5, "minute": 4, "second": 12}
